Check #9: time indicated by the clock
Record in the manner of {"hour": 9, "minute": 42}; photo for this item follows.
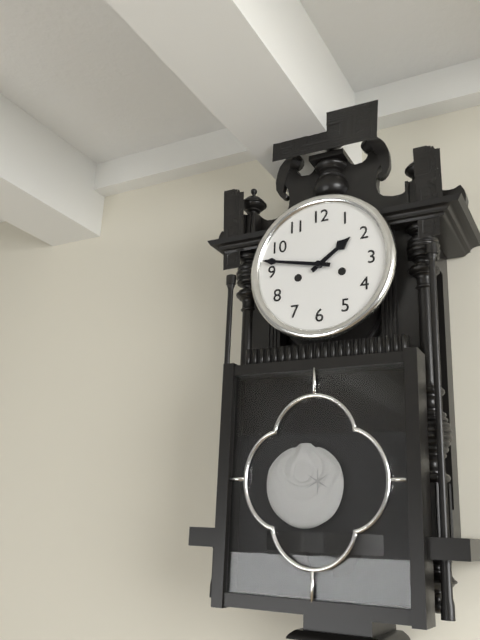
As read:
{"hour": 1, "minute": 47}
